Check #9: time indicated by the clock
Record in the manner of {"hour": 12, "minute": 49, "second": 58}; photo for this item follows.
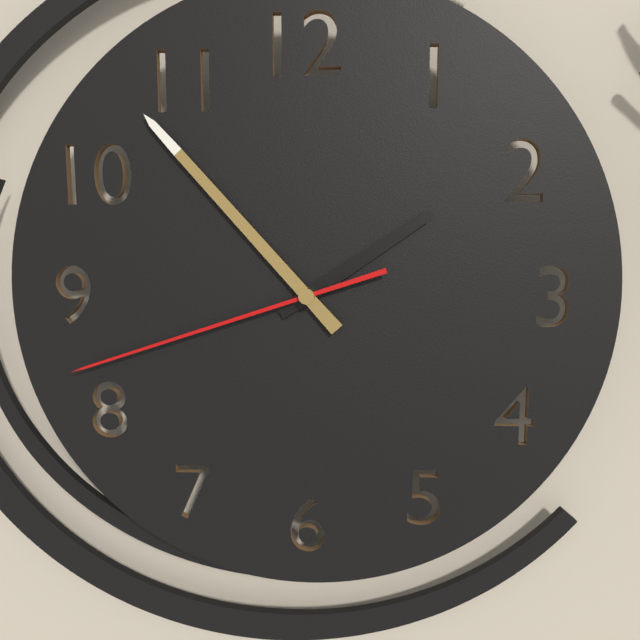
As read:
{"hour": 1, "minute": 53, "second": 42}
